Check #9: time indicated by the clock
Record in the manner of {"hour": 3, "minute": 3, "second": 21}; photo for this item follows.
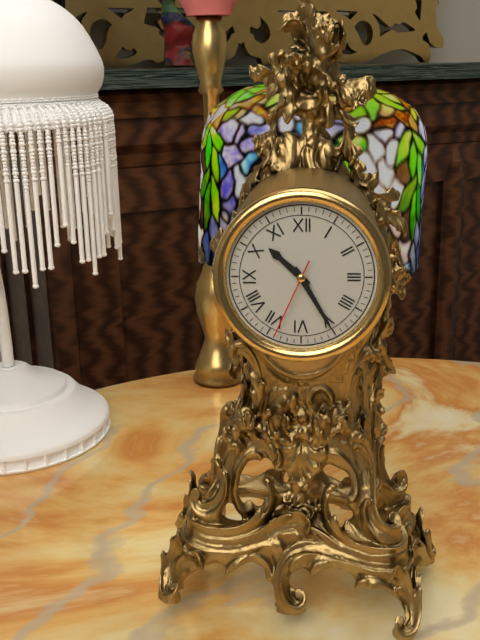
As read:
{"hour": 10, "minute": 25, "second": 34}
